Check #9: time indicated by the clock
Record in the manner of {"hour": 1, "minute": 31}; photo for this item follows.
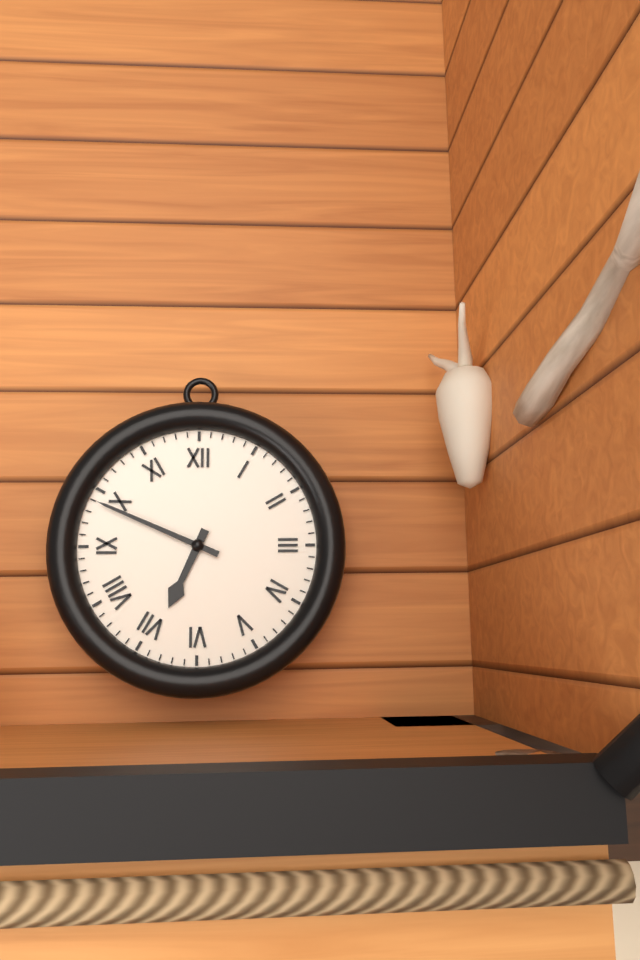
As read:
{"hour": 6, "minute": 49}
